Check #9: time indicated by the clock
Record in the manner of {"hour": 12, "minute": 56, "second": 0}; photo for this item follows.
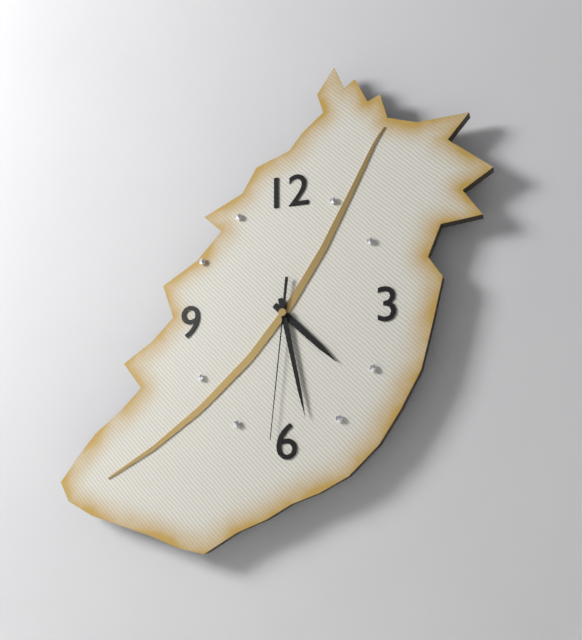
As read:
{"hour": 4, "minute": 28, "second": 31}
